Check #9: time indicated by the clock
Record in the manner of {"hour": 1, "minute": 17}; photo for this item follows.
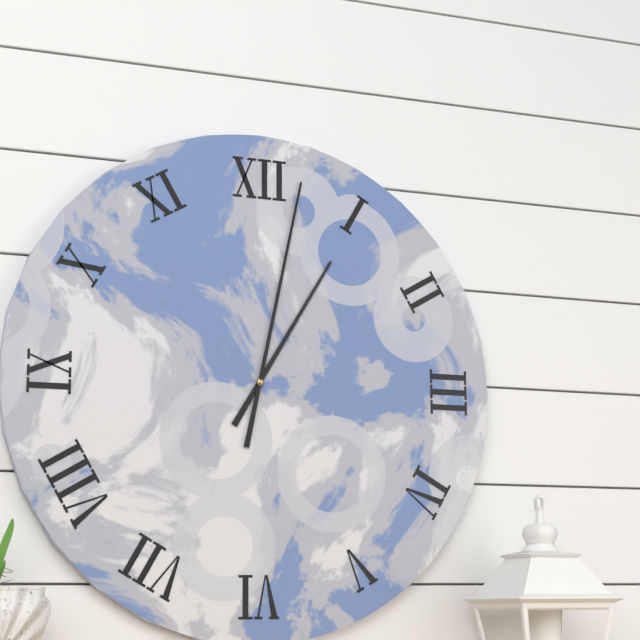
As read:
{"hour": 1, "minute": 2}
